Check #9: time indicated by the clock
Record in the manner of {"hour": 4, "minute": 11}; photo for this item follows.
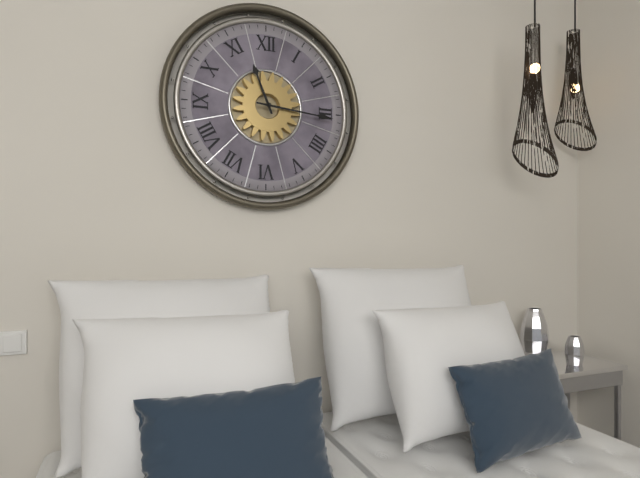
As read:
{"hour": 11, "minute": 16}
